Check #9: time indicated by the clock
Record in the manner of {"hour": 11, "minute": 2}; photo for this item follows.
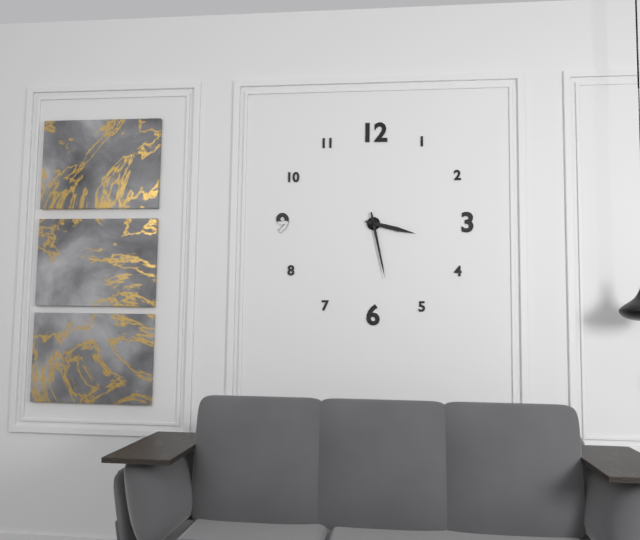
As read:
{"hour": 3, "minute": 28}
